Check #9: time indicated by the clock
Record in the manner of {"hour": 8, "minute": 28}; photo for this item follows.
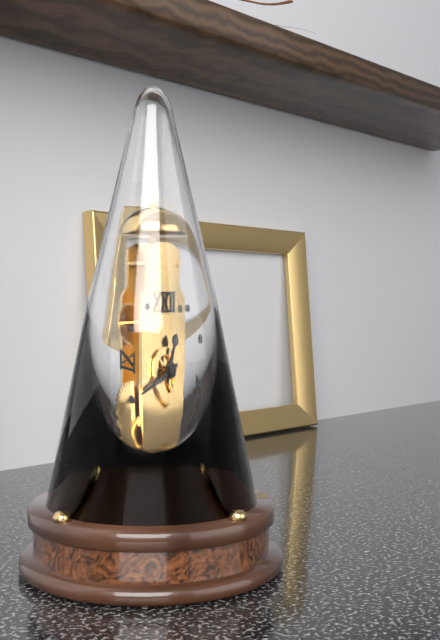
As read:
{"hour": 12, "minute": 40}
